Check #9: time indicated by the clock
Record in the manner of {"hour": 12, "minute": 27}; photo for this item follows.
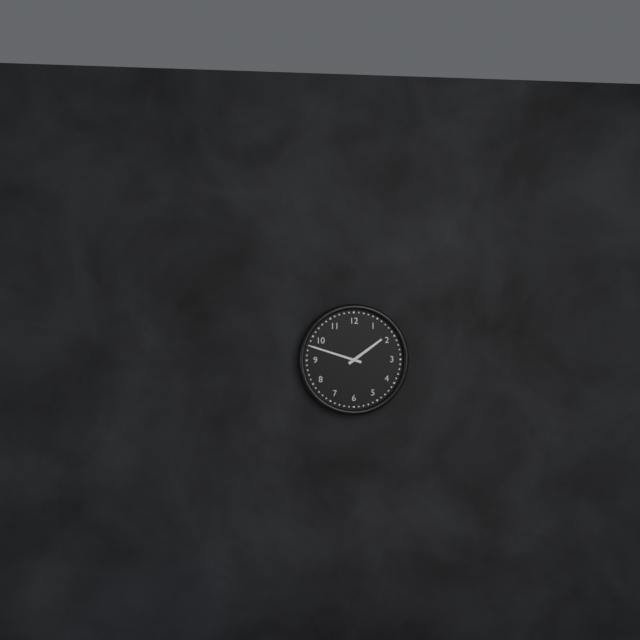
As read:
{"hour": 1, "minute": 48}
